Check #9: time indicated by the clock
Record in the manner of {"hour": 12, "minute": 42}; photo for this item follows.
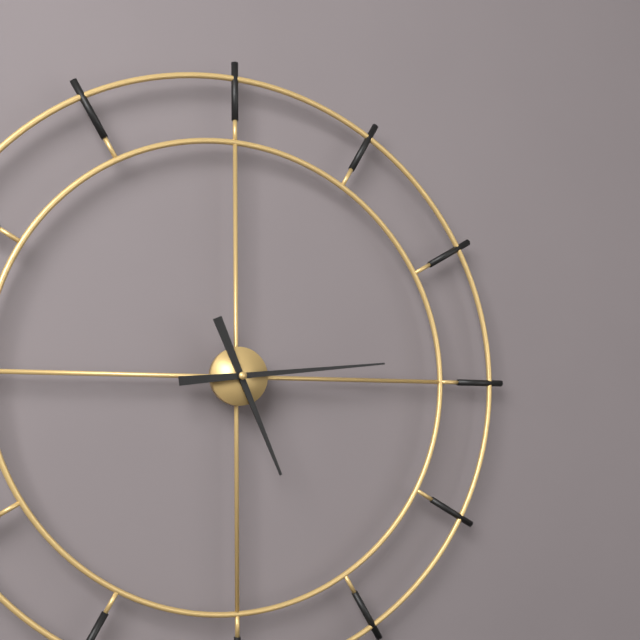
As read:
{"hour": 5, "minute": 14}
